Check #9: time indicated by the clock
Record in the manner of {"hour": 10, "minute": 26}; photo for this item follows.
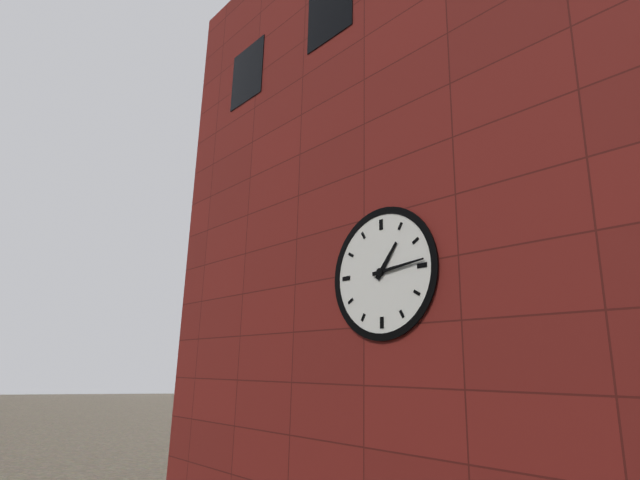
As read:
{"hour": 1, "minute": 14}
